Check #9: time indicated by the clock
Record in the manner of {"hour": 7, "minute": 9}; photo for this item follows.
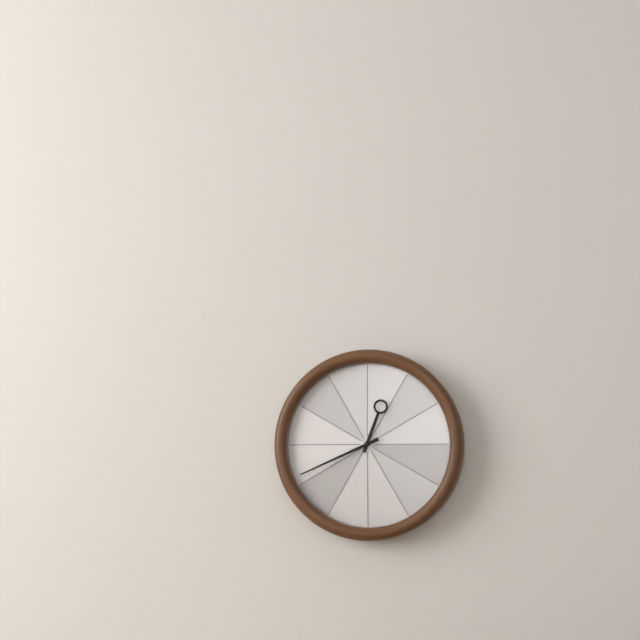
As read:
{"hour": 12, "minute": 41}
